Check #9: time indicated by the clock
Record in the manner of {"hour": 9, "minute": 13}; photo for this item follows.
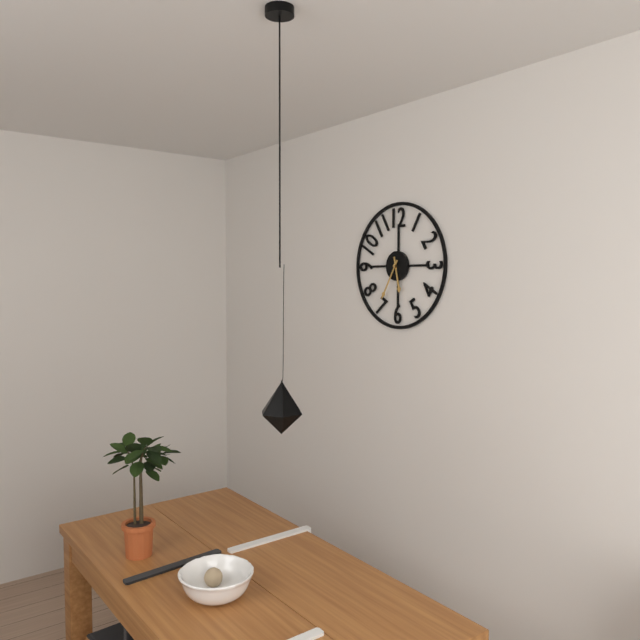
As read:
{"hour": 5, "minute": 35}
